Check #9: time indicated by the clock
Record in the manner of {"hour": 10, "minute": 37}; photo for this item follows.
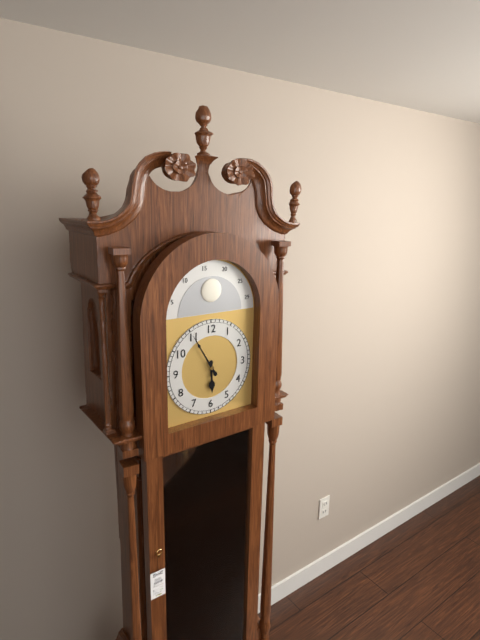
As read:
{"hour": 5, "minute": 55}
